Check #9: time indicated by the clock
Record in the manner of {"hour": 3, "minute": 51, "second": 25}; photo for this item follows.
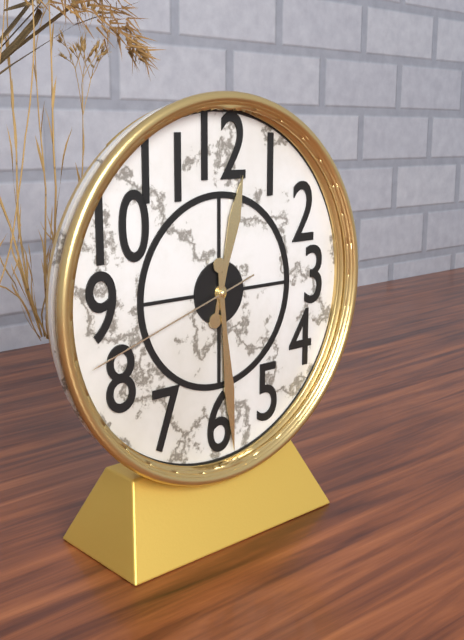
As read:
{"hour": 12, "minute": 29, "second": 42}
